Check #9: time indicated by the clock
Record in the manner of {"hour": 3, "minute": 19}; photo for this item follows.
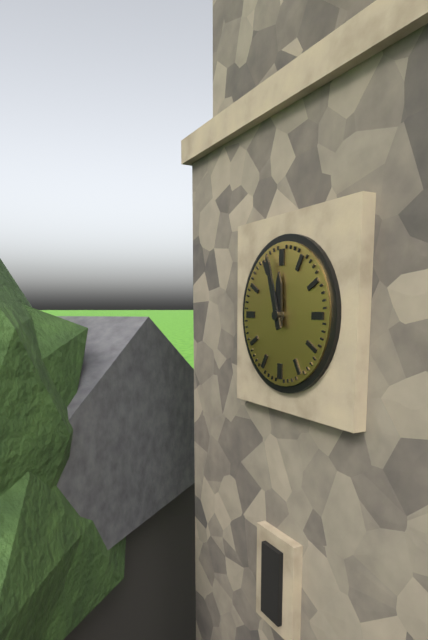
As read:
{"hour": 11, "minute": 57}
